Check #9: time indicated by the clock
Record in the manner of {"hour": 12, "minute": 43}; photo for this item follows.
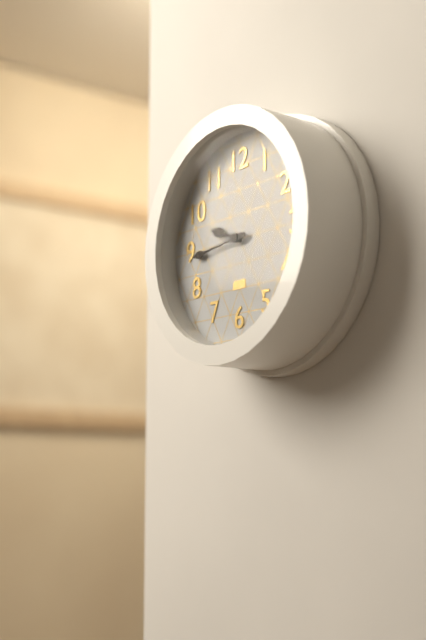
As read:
{"hour": 9, "minute": 44}
